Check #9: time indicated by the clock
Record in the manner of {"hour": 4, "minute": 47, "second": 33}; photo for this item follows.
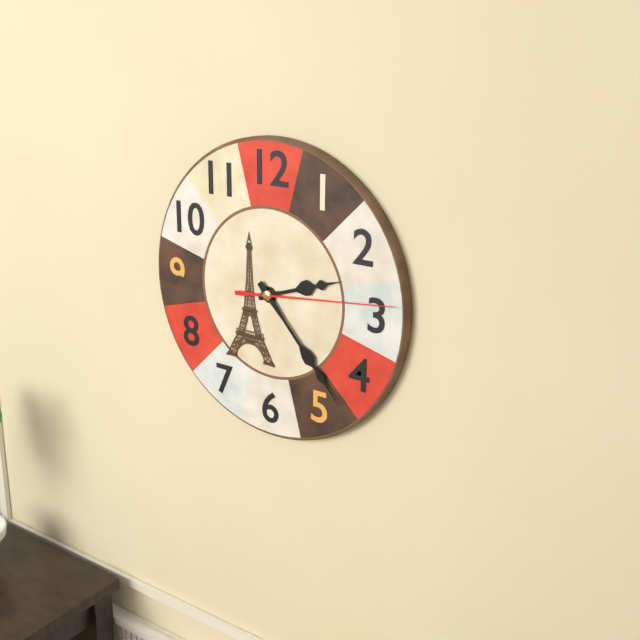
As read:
{"hour": 2, "minute": 23, "second": 14}
